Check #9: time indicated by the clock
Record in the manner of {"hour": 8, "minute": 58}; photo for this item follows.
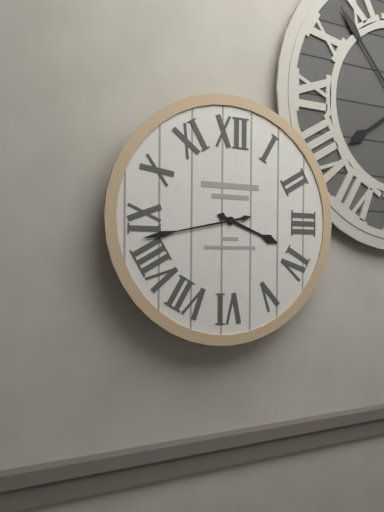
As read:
{"hour": 3, "minute": 43}
